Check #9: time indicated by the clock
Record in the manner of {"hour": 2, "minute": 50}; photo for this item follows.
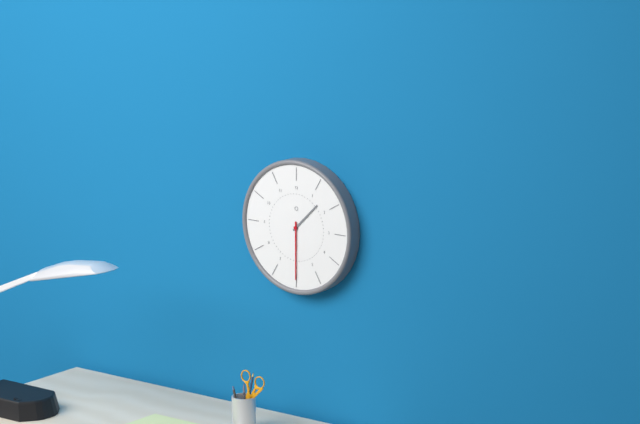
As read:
{"hour": 1, "minute": 30}
